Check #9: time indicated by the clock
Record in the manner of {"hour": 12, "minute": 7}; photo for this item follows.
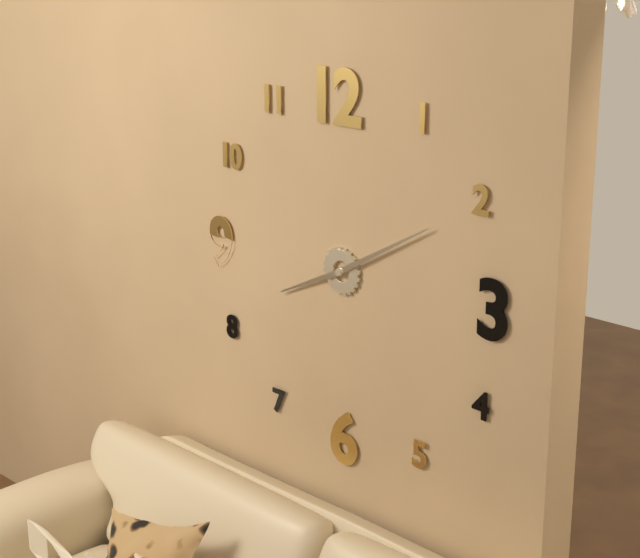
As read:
{"hour": 8, "minute": 10}
